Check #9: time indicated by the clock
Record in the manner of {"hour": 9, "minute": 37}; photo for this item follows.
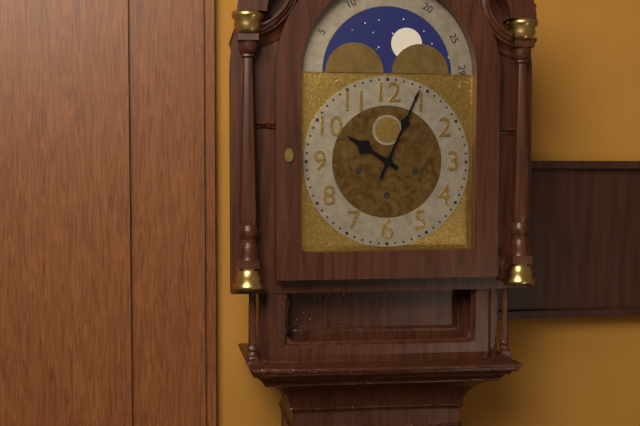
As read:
{"hour": 10, "minute": 4}
